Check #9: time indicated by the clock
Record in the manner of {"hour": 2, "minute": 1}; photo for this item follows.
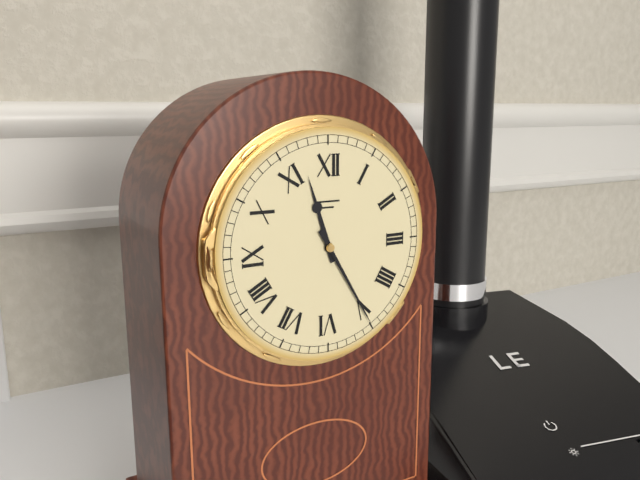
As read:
{"hour": 11, "minute": 25}
